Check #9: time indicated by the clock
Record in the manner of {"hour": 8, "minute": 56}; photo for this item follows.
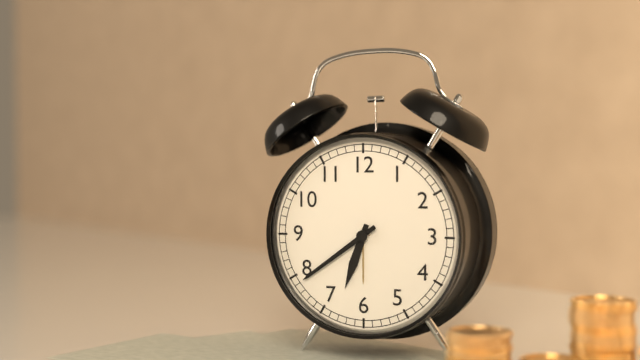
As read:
{"hour": 6, "minute": 39}
